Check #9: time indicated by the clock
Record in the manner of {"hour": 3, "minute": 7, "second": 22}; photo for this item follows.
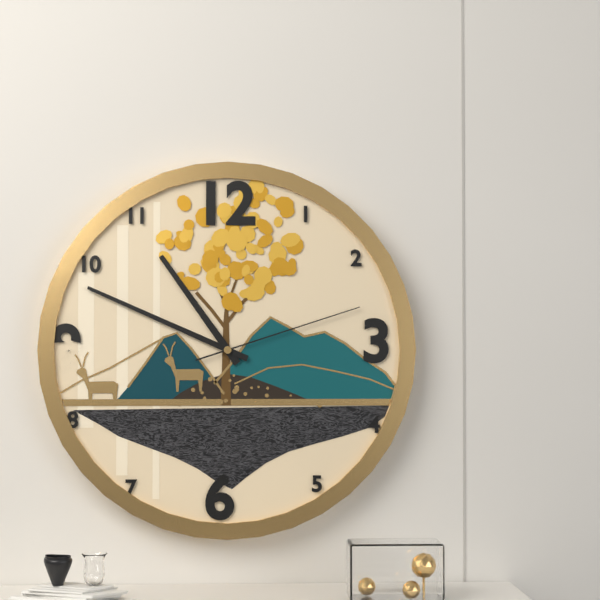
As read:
{"hour": 10, "minute": 49, "second": 12}
